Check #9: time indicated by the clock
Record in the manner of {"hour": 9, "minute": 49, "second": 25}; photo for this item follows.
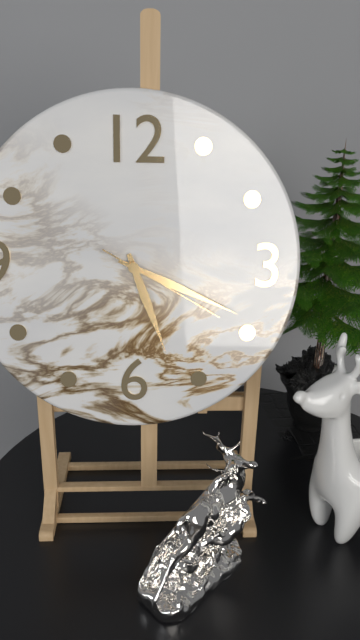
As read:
{"hour": 5, "minute": 19, "second": 20}
